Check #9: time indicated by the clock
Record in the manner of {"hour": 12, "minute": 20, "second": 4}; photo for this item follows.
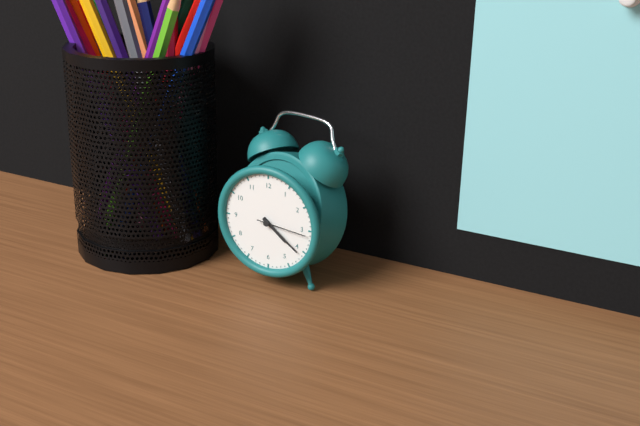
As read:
{"hour": 4, "minute": 21, "second": 16}
